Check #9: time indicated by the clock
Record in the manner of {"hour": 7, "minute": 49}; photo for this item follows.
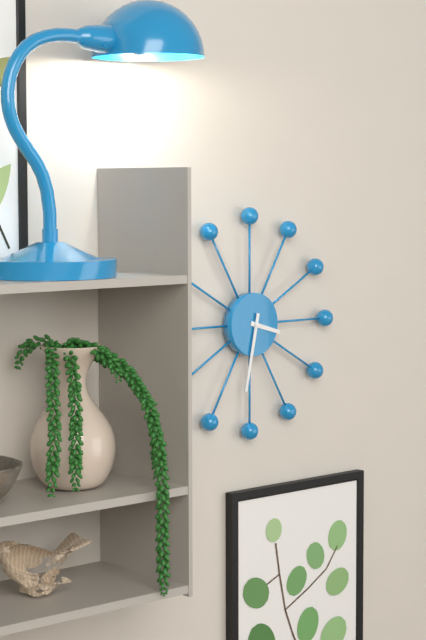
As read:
{"hour": 3, "minute": 32}
